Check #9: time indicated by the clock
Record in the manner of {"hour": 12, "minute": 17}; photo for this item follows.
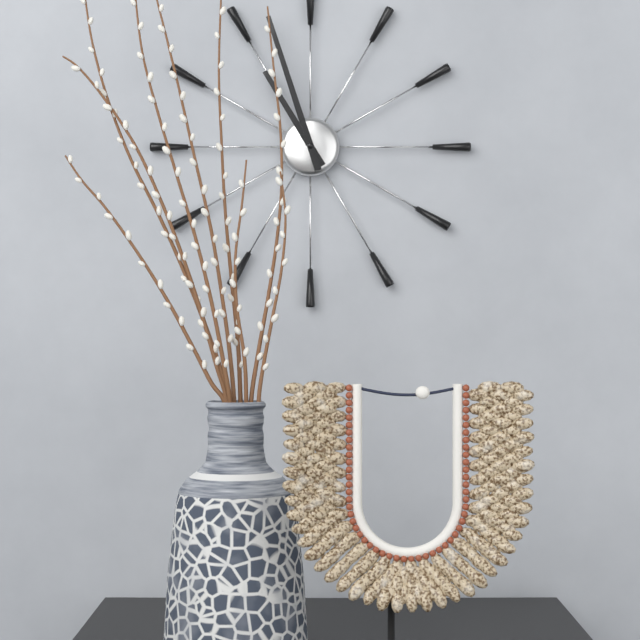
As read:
{"hour": 10, "minute": 57}
